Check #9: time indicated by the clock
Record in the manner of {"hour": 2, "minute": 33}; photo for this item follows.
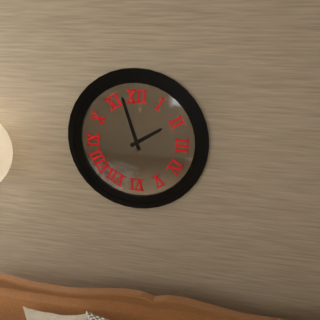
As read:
{"hour": 1, "minute": 57}
